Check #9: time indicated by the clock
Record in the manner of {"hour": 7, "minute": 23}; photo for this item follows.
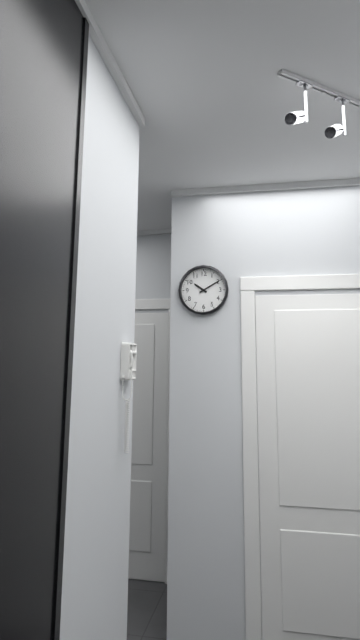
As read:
{"hour": 10, "minute": 10}
